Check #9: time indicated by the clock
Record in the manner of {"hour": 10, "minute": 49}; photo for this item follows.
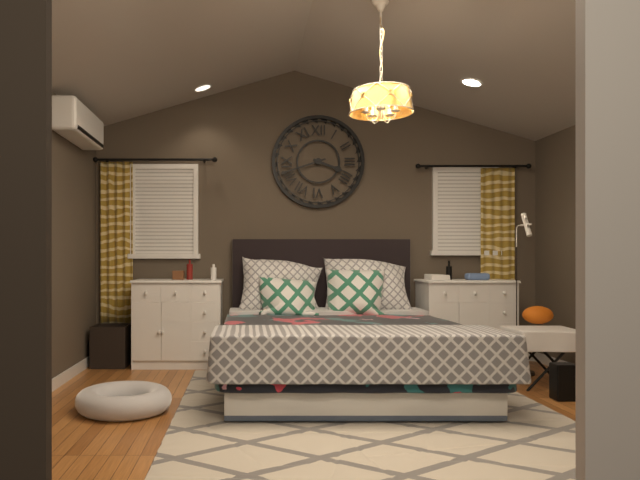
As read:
{"hour": 3, "minute": 42}
